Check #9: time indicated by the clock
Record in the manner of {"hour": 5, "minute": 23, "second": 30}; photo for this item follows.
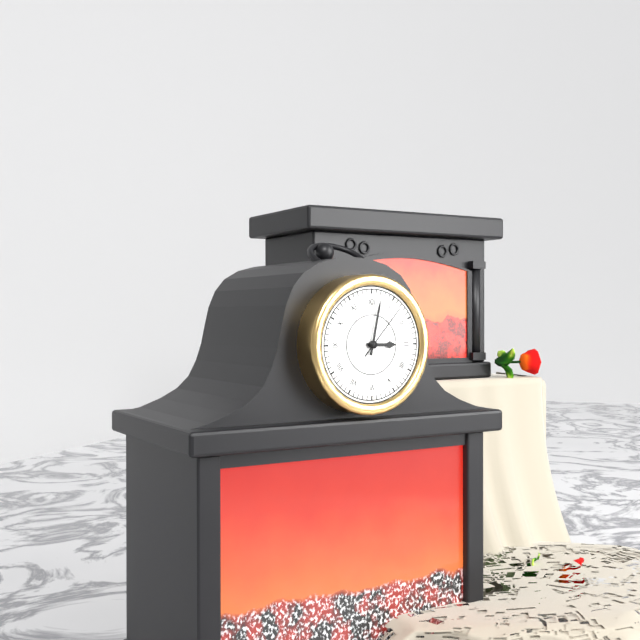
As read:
{"hour": 3, "minute": 2, "second": 7}
